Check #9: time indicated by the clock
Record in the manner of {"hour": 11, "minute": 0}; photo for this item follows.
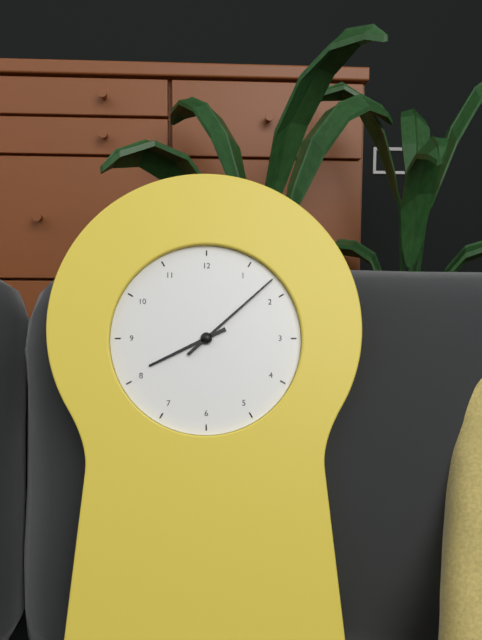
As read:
{"hour": 8, "minute": 8}
